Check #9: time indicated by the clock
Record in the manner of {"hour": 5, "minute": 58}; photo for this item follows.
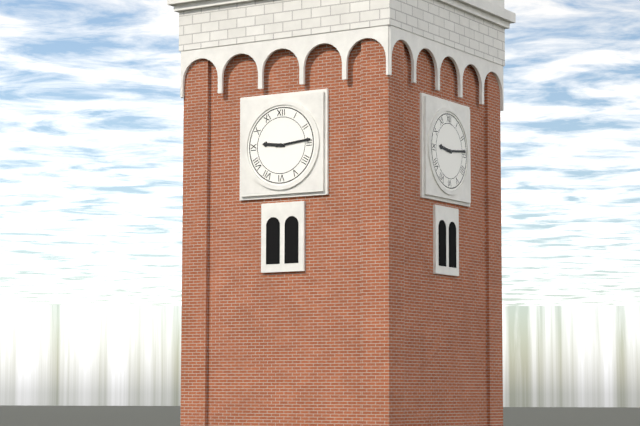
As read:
{"hour": 9, "minute": 14}
